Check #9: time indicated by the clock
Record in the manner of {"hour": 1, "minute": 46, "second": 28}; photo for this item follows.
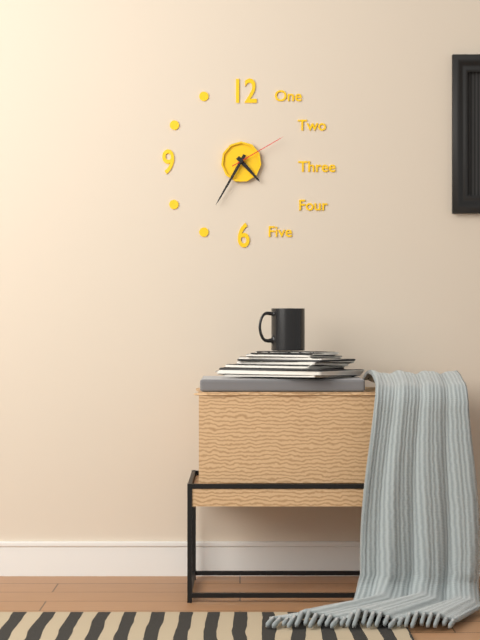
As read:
{"hour": 4, "minute": 35, "second": 10}
